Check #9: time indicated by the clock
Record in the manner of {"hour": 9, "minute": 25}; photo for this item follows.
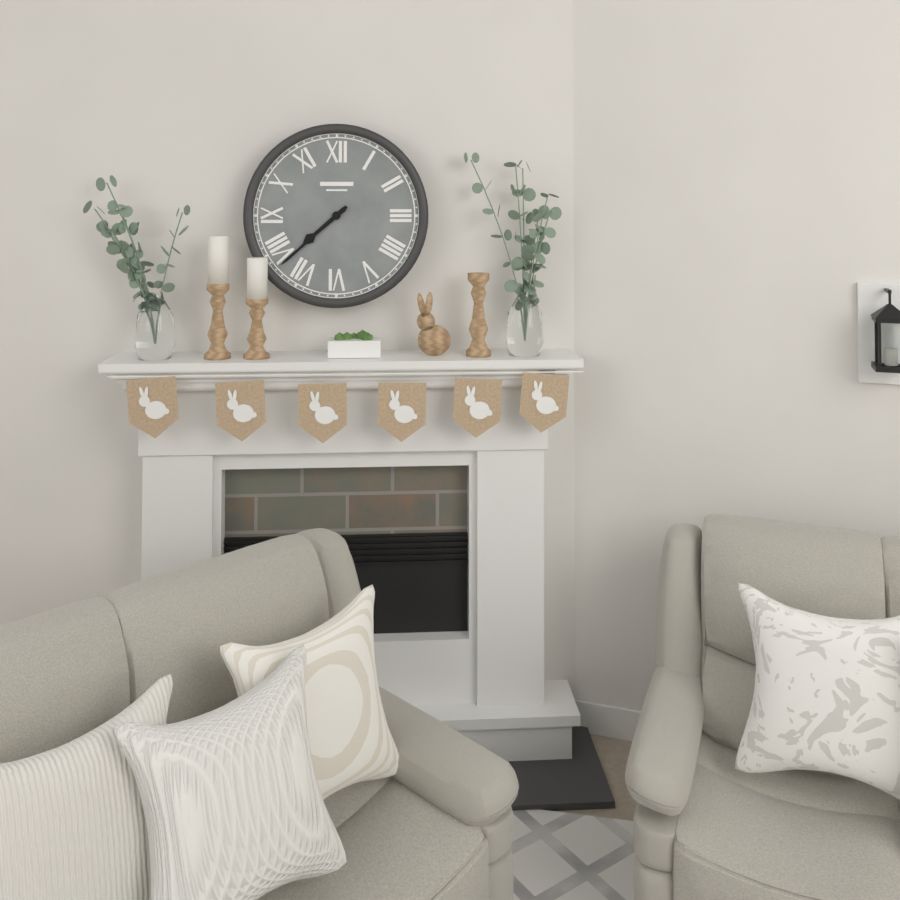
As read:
{"hour": 7, "minute": 38}
